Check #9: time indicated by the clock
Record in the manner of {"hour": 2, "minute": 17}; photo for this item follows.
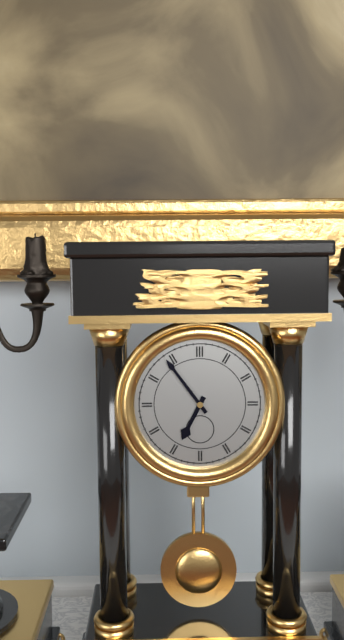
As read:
{"hour": 6, "minute": 54}
